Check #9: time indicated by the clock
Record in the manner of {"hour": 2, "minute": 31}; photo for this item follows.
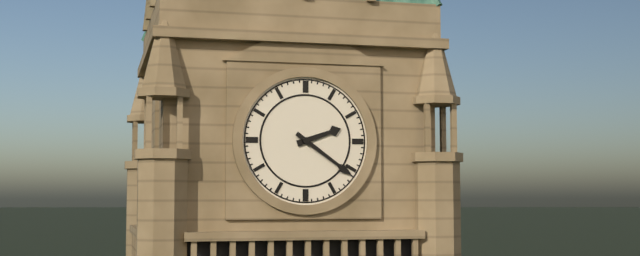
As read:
{"hour": 2, "minute": 21}
